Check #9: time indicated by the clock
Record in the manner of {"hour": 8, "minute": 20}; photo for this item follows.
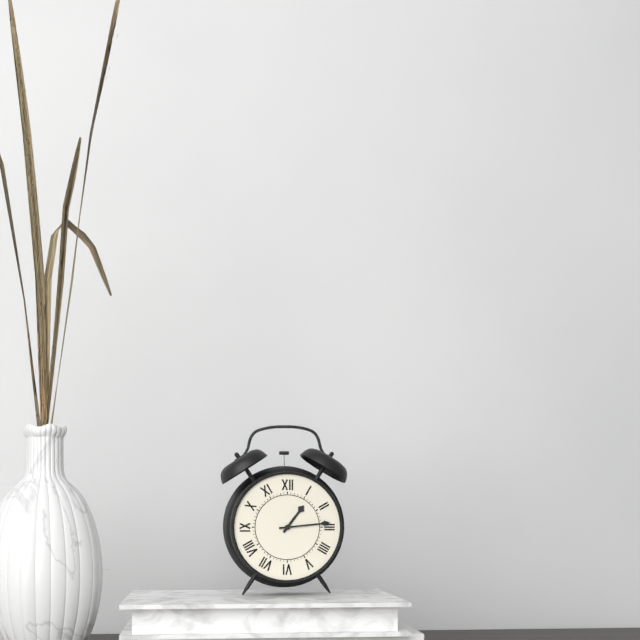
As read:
{"hour": 1, "minute": 14}
